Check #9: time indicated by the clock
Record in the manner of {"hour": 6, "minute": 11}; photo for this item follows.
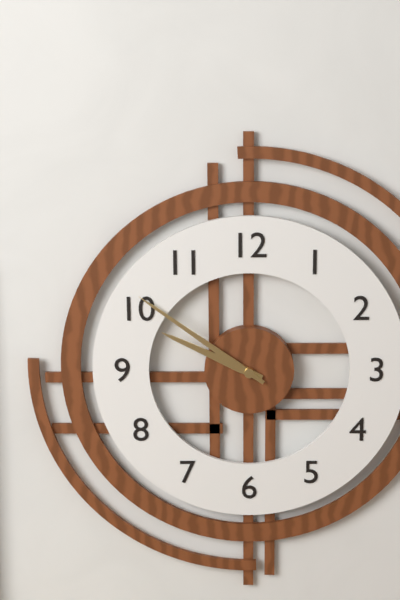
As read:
{"hour": 9, "minute": 51}
